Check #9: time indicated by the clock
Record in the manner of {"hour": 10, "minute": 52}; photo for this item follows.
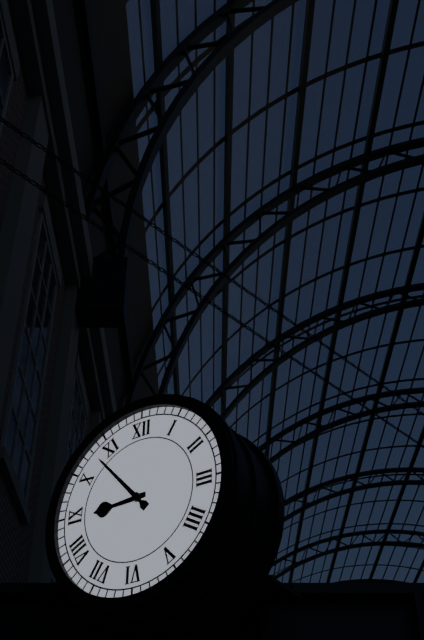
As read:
{"hour": 8, "minute": 53}
